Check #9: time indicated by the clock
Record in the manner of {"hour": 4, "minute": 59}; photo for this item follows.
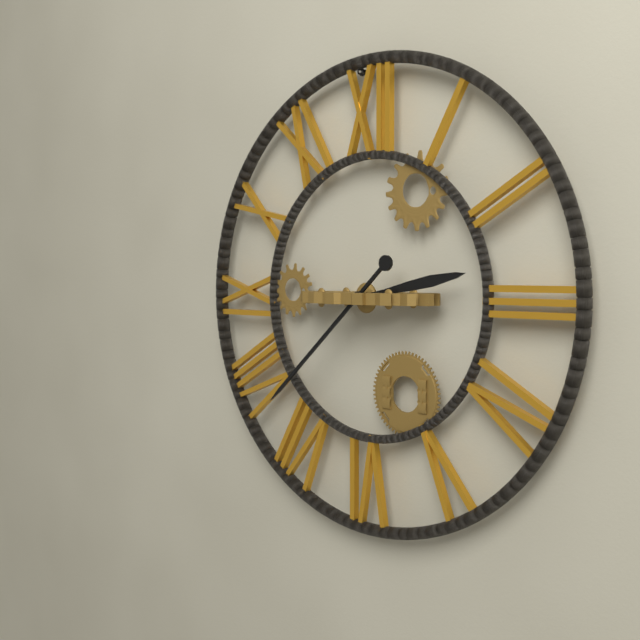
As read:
{"hour": 2, "minute": 38}
